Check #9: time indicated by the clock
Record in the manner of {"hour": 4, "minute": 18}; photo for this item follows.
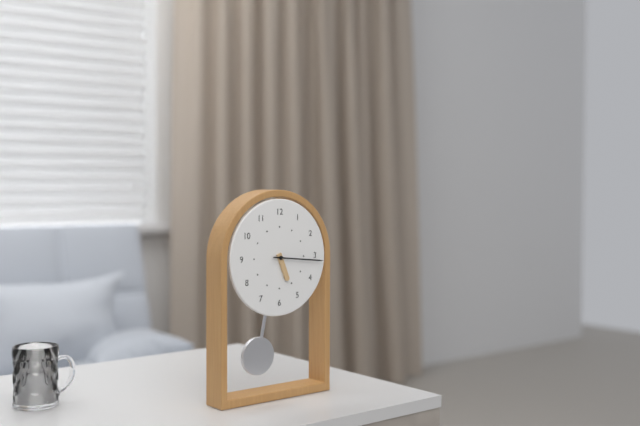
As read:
{"hour": 5, "minute": 16}
